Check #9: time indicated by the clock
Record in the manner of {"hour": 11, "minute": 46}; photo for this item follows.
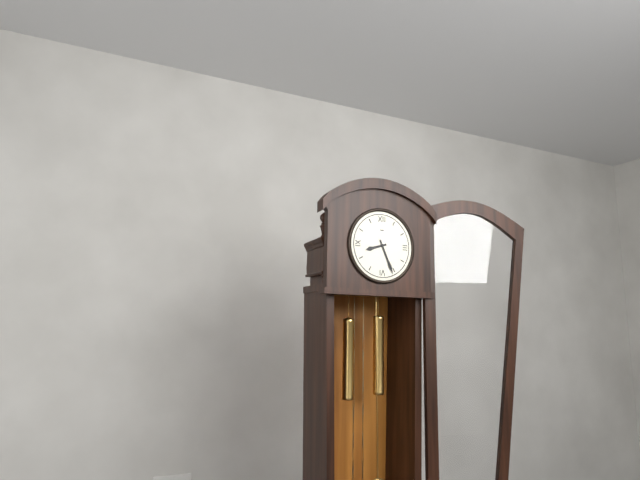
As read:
{"hour": 8, "minute": 26}
